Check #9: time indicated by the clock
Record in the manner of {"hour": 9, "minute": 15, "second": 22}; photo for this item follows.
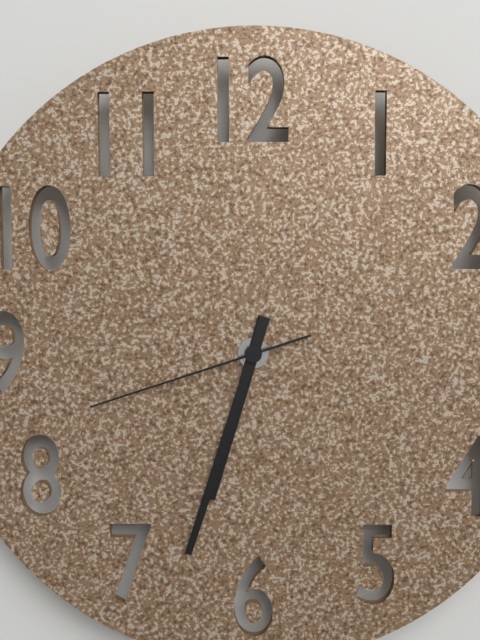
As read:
{"hour": 6, "minute": 33, "second": 42}
